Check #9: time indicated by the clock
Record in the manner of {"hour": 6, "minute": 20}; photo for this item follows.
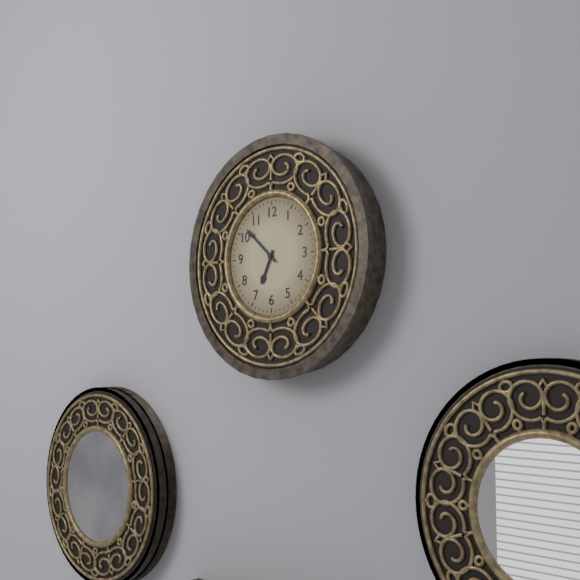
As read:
{"hour": 6, "minute": 52}
